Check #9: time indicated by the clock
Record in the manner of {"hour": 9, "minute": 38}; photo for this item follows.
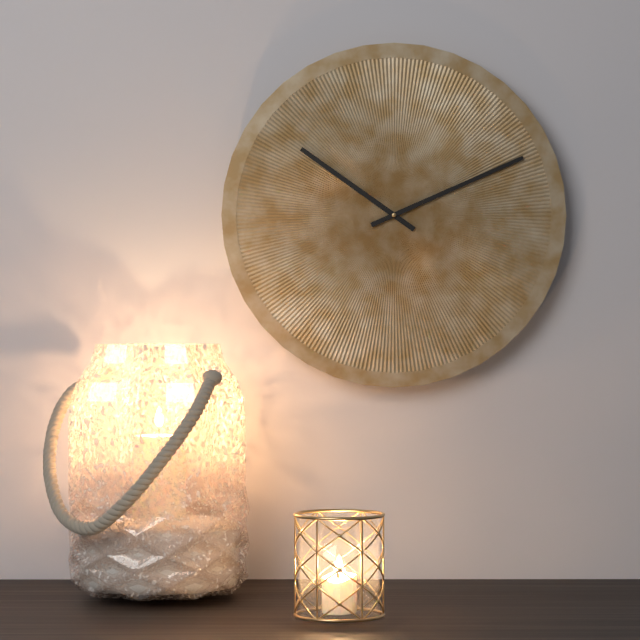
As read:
{"hour": 10, "minute": 11}
